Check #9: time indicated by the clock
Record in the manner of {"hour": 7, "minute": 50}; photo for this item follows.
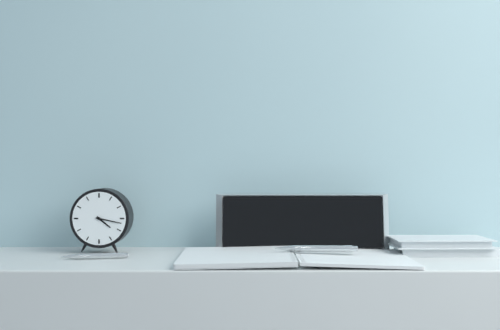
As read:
{"hour": 4, "minute": 17}
